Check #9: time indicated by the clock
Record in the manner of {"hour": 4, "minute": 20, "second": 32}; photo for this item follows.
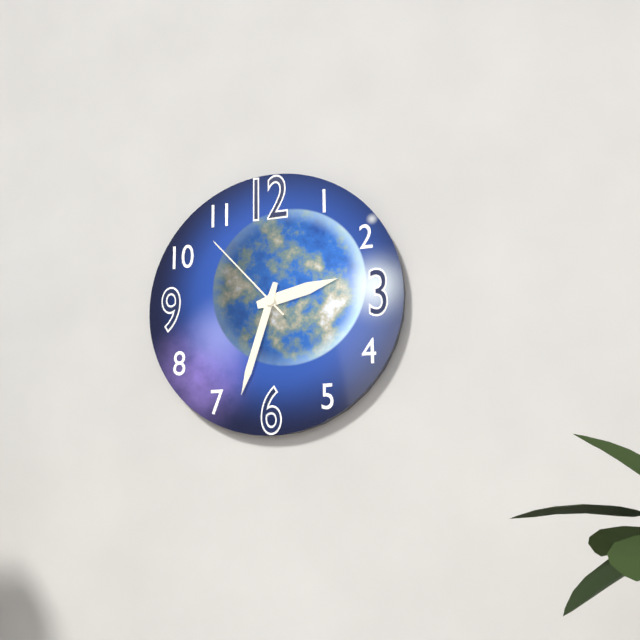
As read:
{"hour": 2, "minute": 33, "second": 53}
